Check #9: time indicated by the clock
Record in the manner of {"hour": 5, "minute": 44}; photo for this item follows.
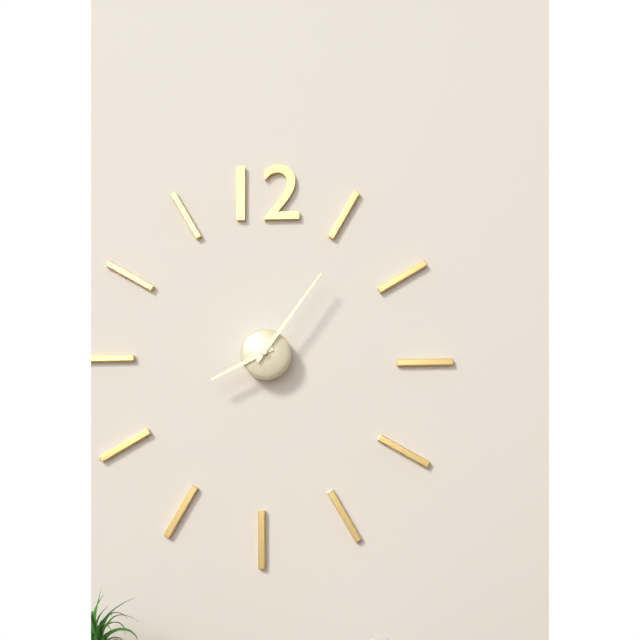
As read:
{"hour": 8, "minute": 6}
